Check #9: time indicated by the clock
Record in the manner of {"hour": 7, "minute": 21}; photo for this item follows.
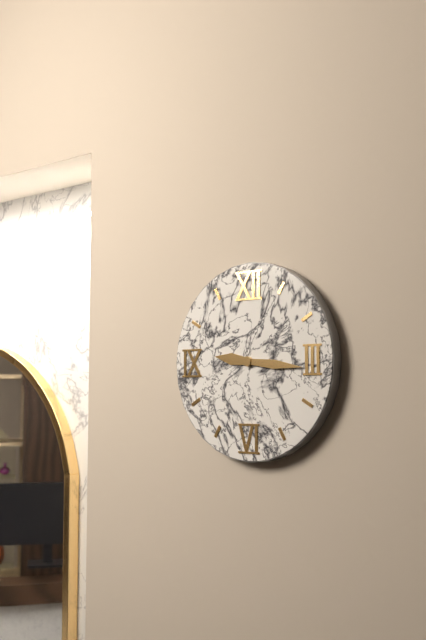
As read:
{"hour": 9, "minute": 16}
